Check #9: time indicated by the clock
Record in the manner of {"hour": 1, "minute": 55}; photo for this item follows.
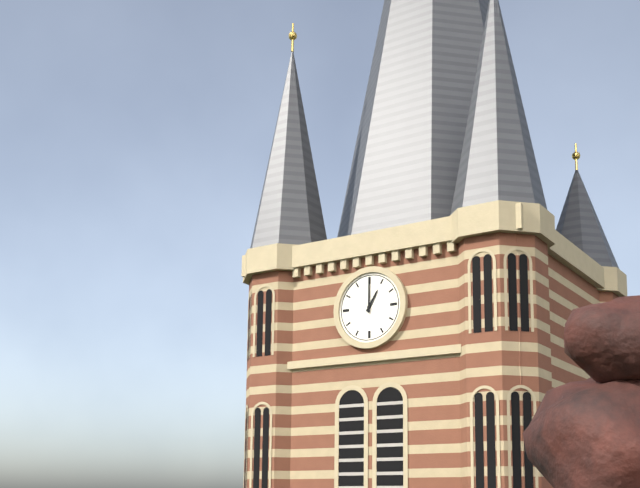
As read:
{"hour": 1, "minute": 0}
